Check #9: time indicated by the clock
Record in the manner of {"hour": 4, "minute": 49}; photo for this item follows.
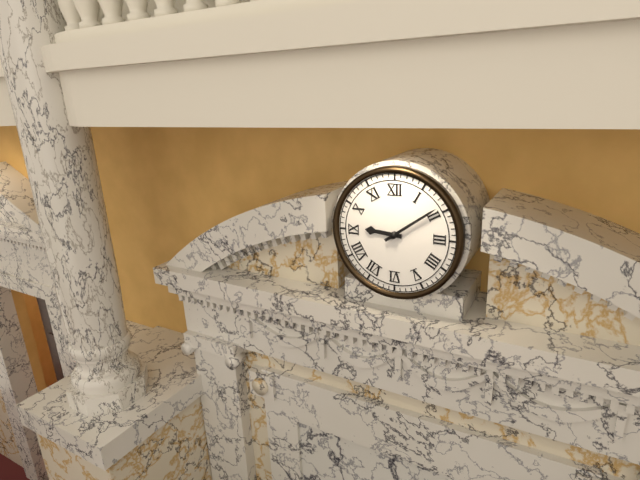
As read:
{"hour": 9, "minute": 9}
